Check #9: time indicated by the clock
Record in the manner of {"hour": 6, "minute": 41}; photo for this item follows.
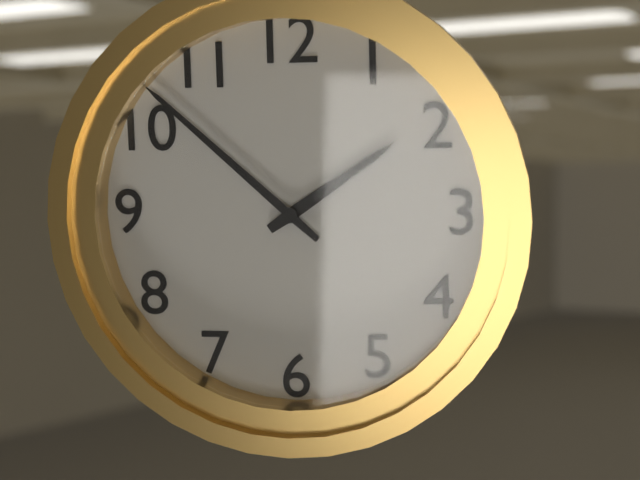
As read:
{"hour": 1, "minute": 52}
